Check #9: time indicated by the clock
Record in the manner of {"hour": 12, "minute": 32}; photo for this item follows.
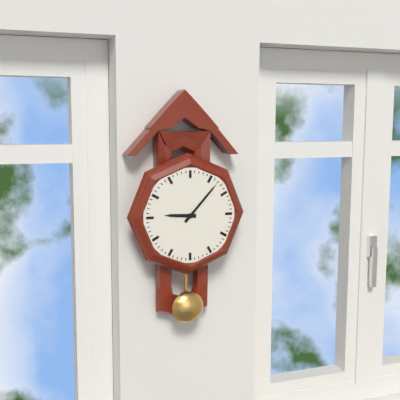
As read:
{"hour": 9, "minute": 7}
